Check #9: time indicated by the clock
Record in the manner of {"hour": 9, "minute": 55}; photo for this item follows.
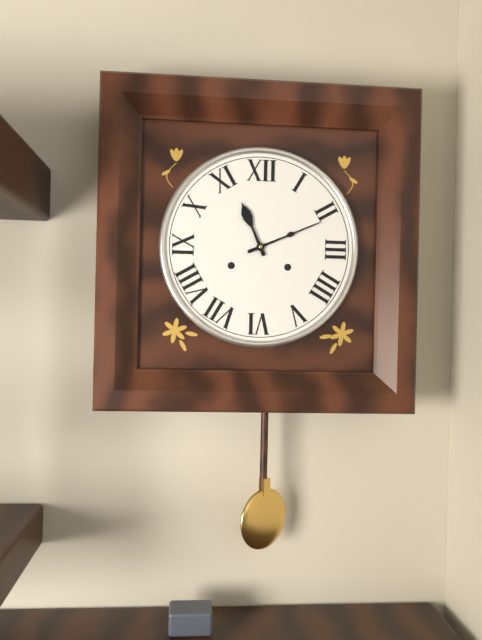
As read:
{"hour": 11, "minute": 11}
